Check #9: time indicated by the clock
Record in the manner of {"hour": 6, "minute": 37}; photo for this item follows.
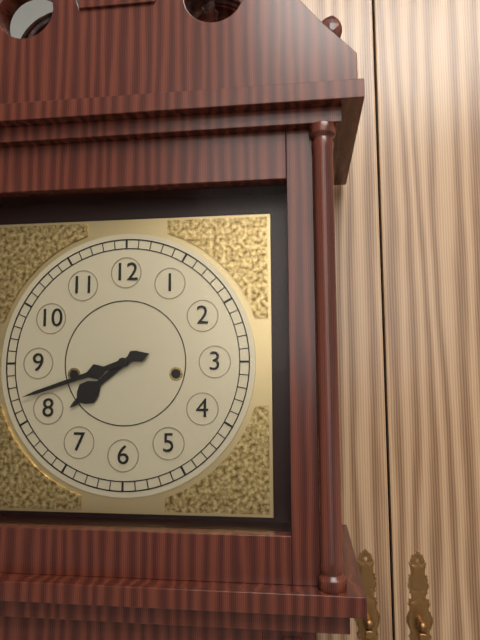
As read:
{"hour": 7, "minute": 42}
